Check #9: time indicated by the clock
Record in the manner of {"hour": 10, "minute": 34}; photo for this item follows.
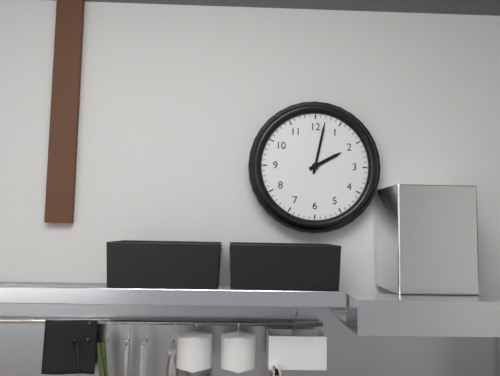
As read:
{"hour": 2, "minute": 2}
